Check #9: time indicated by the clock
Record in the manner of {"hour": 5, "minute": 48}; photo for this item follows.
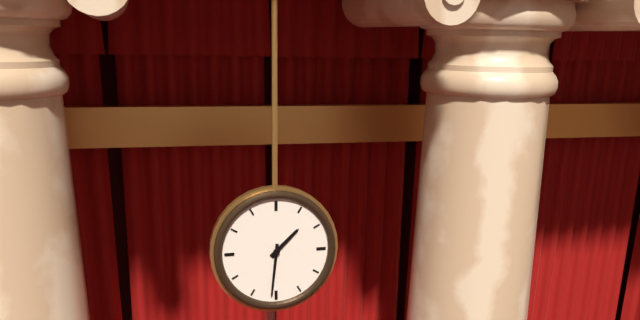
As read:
{"hour": 1, "minute": 31}
